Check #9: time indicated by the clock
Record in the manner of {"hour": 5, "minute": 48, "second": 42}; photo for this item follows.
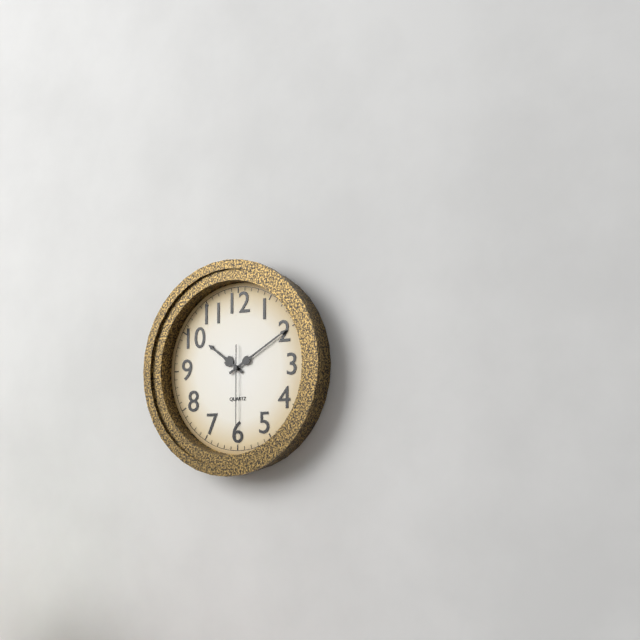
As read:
{"hour": 10, "minute": 10, "second": 30}
